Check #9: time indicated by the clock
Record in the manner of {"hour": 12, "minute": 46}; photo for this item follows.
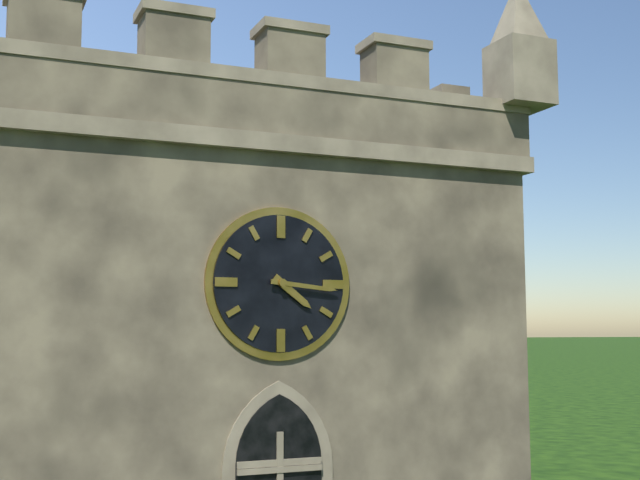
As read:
{"hour": 4, "minute": 16}
